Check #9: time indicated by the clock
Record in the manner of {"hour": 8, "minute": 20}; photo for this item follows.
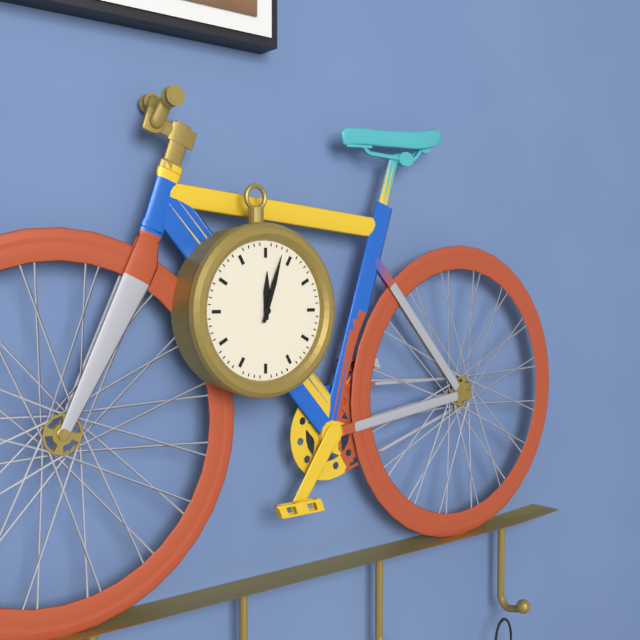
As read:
{"hour": 12, "minute": 3}
